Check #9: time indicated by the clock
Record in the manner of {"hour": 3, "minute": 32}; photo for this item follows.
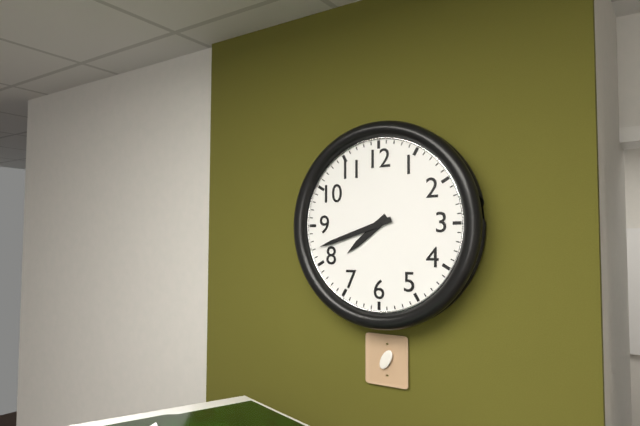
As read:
{"hour": 7, "minute": 42}
